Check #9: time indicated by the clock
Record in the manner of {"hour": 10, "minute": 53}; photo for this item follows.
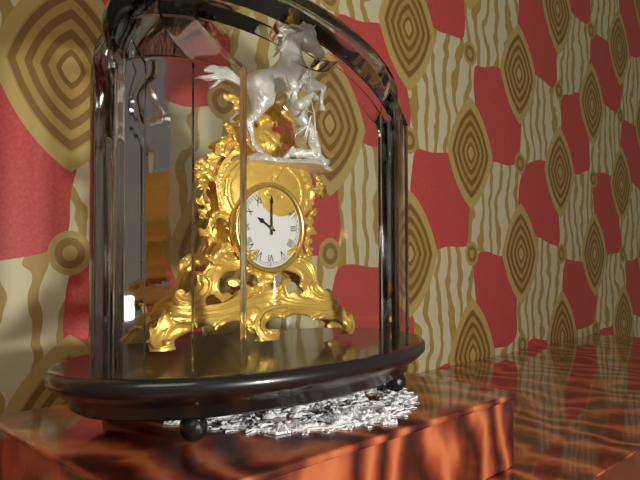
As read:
{"hour": 10, "minute": 0}
